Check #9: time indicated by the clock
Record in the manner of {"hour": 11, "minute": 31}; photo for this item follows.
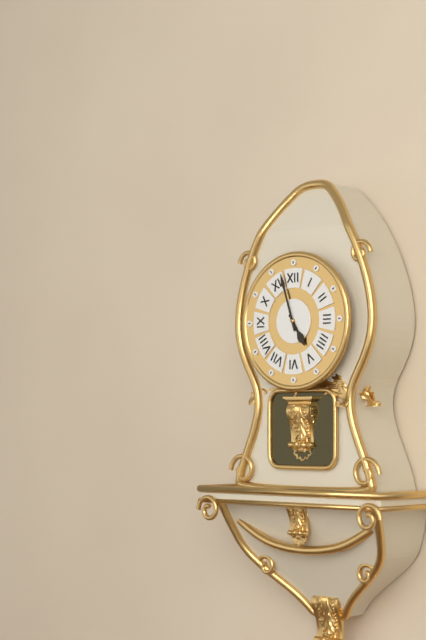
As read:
{"hour": 4, "minute": 57}
